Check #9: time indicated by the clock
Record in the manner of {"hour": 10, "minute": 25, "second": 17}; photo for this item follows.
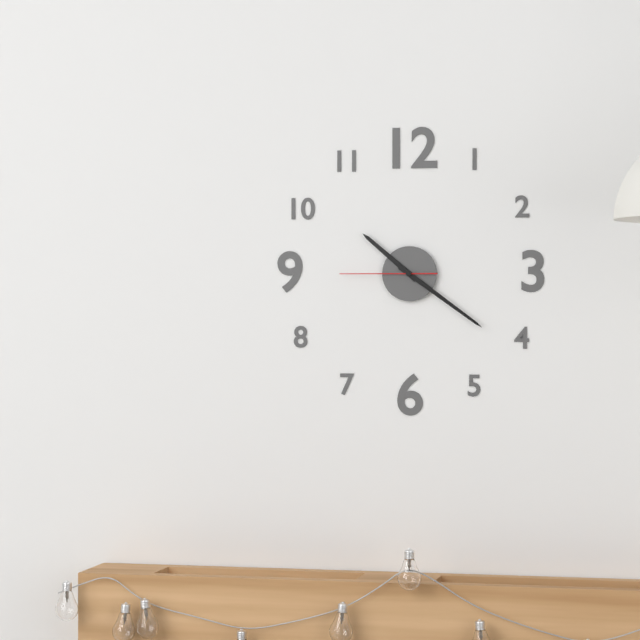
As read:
{"hour": 10, "minute": 21, "second": 45}
